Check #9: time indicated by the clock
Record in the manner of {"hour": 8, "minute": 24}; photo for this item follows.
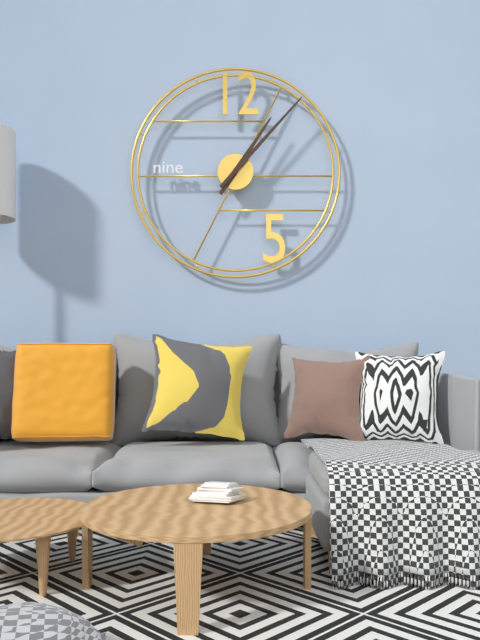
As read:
{"hour": 1, "minute": 7}
